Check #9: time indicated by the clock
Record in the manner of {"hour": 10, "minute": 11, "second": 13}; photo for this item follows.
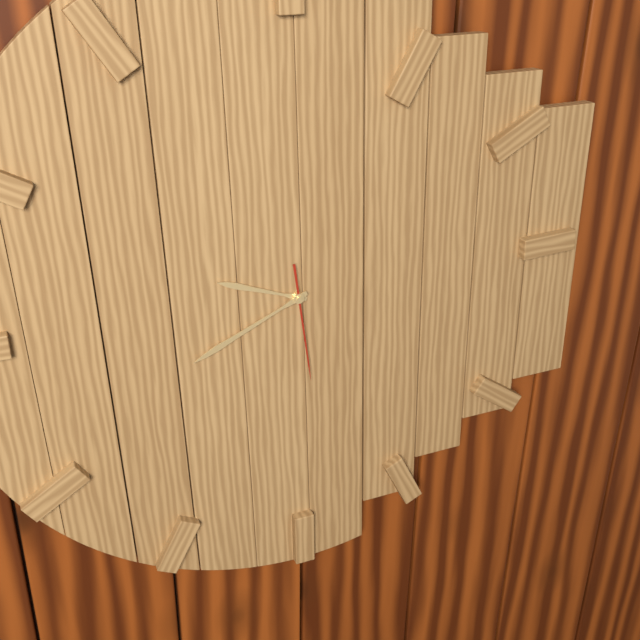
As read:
{"hour": 9, "minute": 41, "second": 29}
